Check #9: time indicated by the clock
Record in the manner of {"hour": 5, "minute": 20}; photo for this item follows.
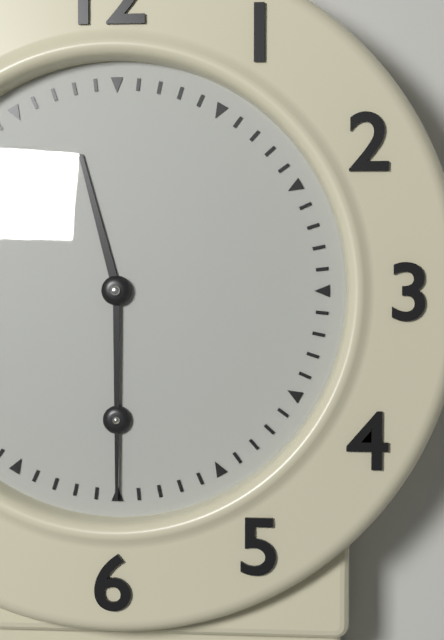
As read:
{"hour": 11, "minute": 30}
